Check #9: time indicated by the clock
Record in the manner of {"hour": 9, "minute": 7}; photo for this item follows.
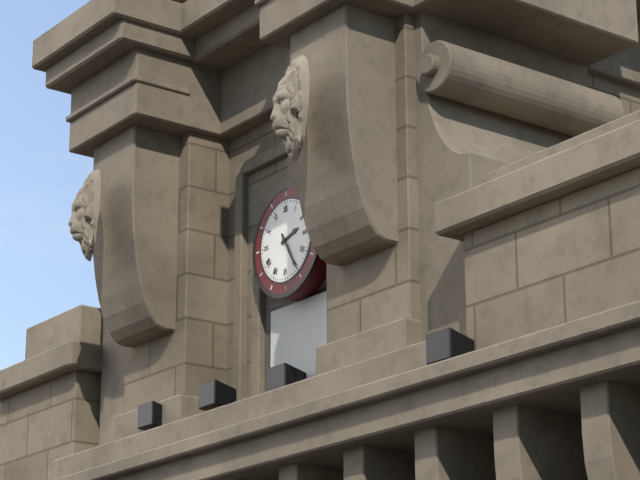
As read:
{"hour": 2, "minute": 25}
